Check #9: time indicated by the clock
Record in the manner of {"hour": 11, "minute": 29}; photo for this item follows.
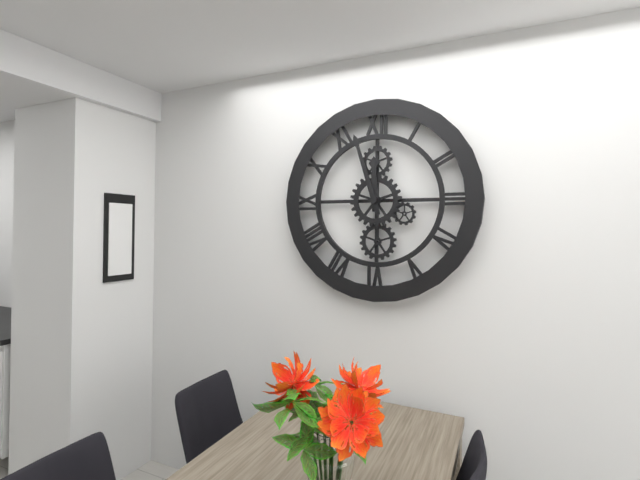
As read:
{"hour": 11, "minute": 57}
